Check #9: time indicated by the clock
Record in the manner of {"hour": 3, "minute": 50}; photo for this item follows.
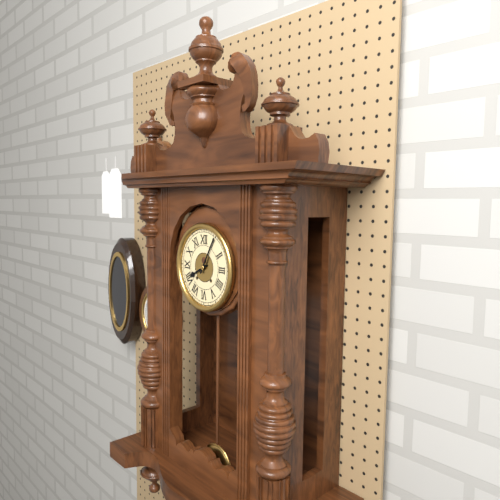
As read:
{"hour": 8, "minute": 5}
